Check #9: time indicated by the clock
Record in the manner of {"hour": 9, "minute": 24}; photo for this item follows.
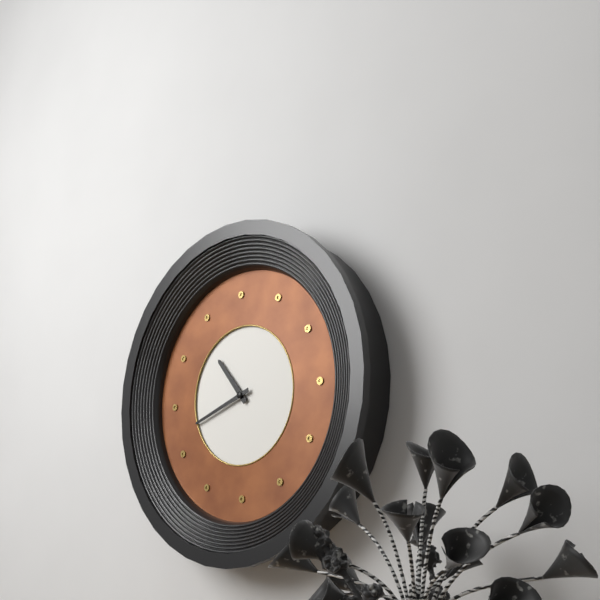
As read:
{"hour": 10, "minute": 42}
